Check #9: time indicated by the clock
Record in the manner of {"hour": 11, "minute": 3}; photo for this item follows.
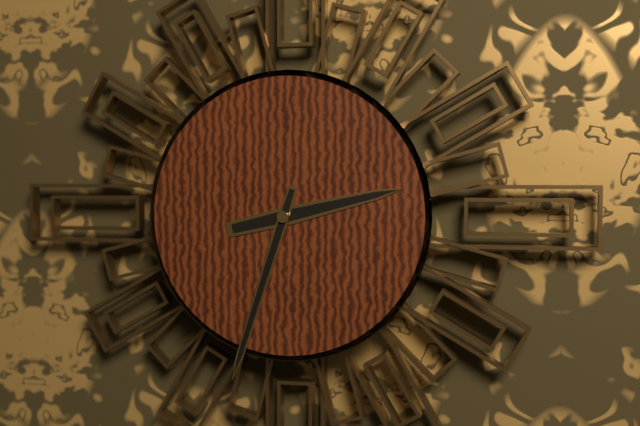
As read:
{"hour": 2, "minute": 33}
